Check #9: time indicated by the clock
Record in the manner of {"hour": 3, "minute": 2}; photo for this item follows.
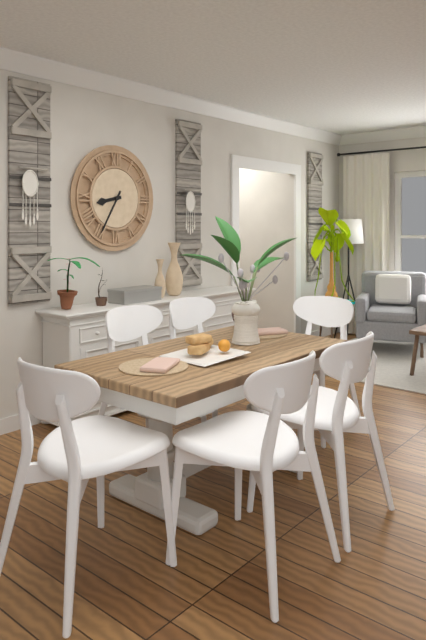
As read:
{"hour": 8, "minute": 35}
